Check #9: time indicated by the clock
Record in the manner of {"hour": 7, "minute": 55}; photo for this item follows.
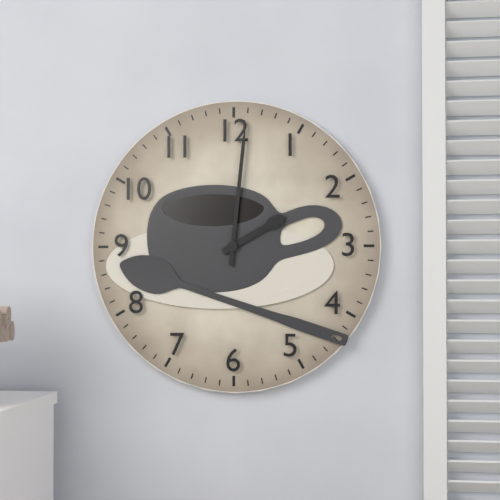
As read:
{"hour": 2, "minute": 1}
